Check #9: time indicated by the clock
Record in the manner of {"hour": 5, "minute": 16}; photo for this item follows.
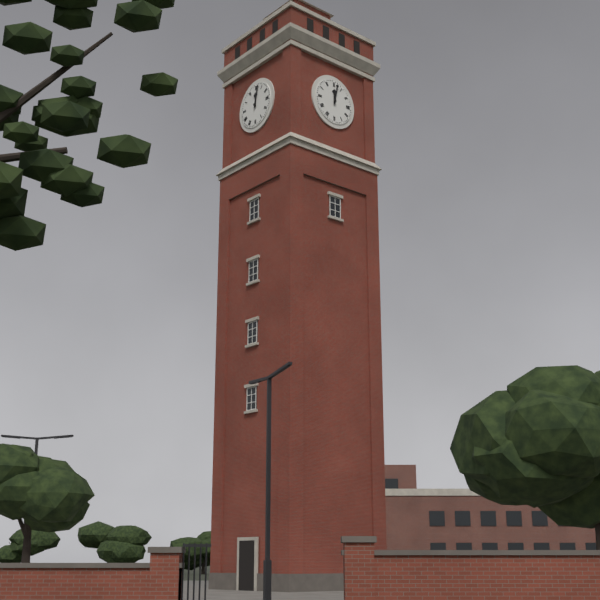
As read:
{"hour": 12, "minute": 2}
